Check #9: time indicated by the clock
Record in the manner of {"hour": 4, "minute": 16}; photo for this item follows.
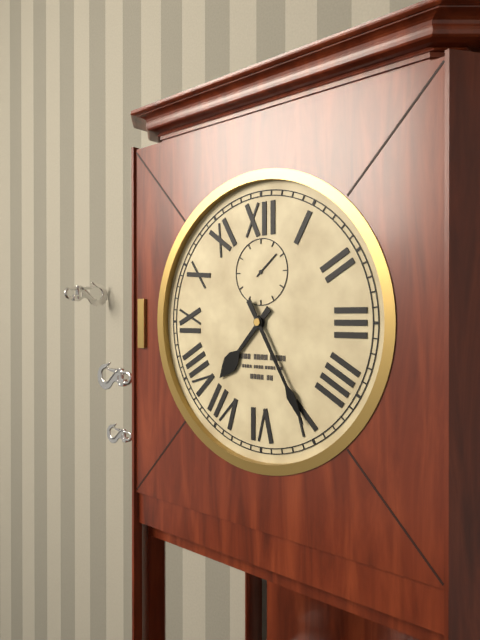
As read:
{"hour": 7, "minute": 25}
